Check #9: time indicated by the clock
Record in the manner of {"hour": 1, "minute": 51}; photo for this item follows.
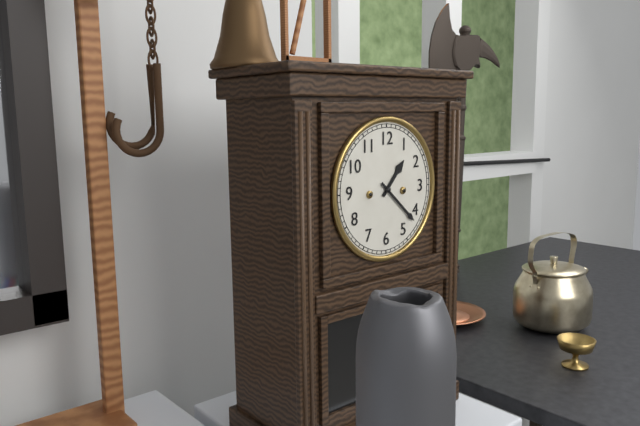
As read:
{"hour": 1, "minute": 22}
